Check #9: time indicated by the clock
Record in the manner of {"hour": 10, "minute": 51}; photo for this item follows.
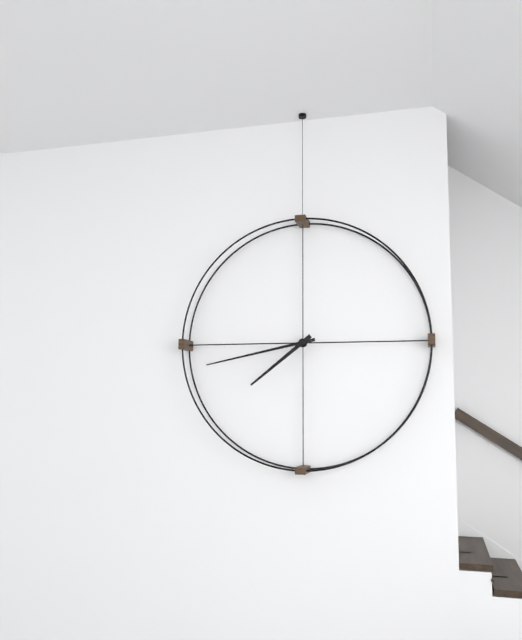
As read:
{"hour": 7, "minute": 43}
